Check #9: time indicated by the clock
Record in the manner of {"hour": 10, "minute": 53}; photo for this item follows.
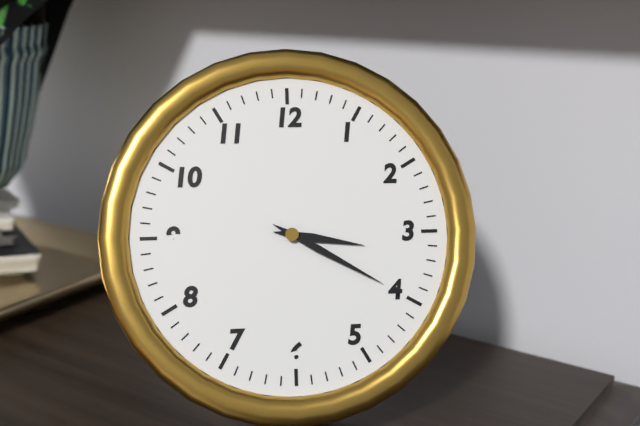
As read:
{"hour": 3, "minute": 20}
